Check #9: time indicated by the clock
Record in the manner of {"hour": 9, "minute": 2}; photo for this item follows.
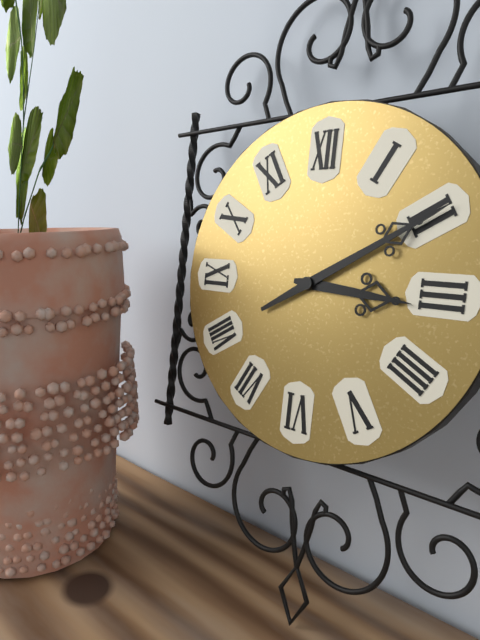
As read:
{"hour": 3, "minute": 10}
